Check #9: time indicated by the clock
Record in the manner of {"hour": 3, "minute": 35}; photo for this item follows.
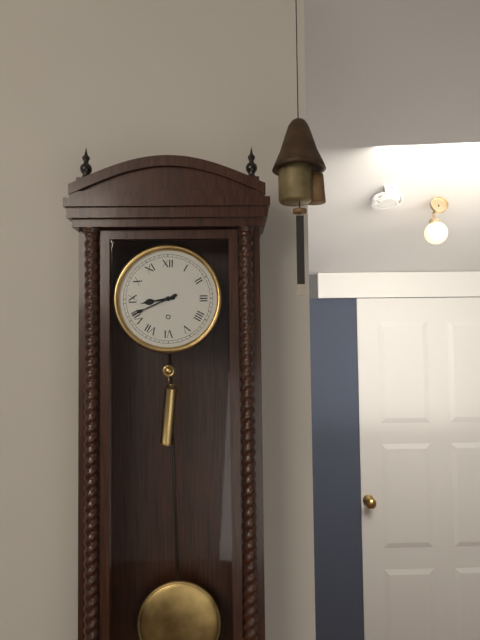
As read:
{"hour": 8, "minute": 41}
